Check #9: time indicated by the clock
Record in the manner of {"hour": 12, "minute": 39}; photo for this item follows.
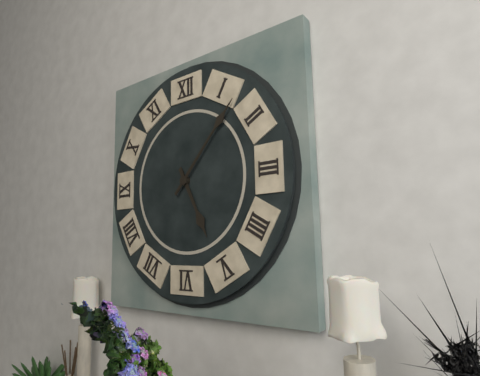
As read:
{"hour": 5, "minute": 7}
